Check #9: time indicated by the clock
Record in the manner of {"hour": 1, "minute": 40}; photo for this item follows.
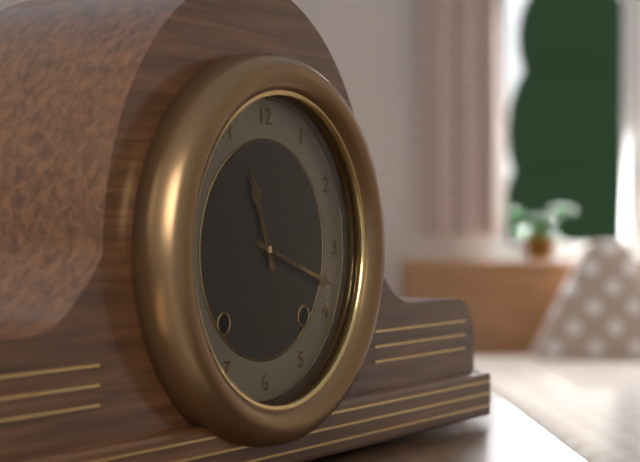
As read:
{"hour": 11, "minute": 18}
